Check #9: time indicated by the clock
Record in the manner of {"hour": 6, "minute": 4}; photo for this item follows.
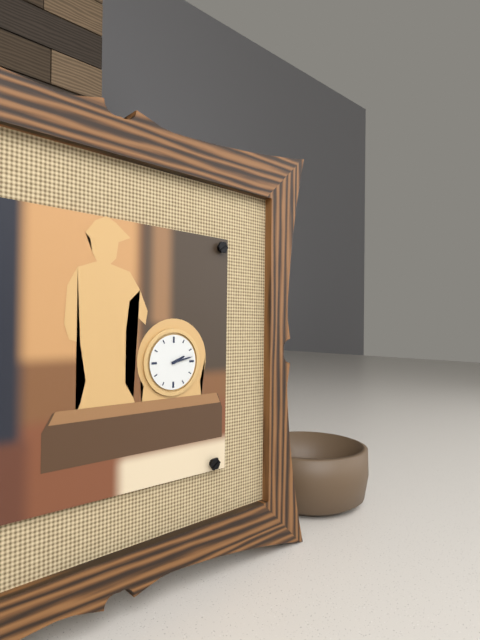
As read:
{"hour": 2, "minute": 13}
